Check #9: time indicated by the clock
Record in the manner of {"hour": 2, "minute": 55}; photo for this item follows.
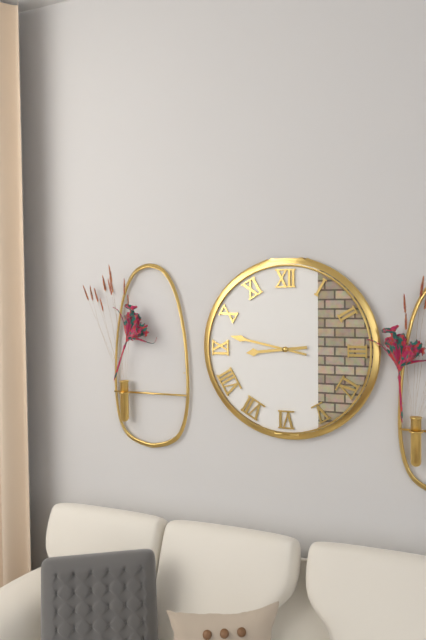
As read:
{"hour": 8, "minute": 47}
